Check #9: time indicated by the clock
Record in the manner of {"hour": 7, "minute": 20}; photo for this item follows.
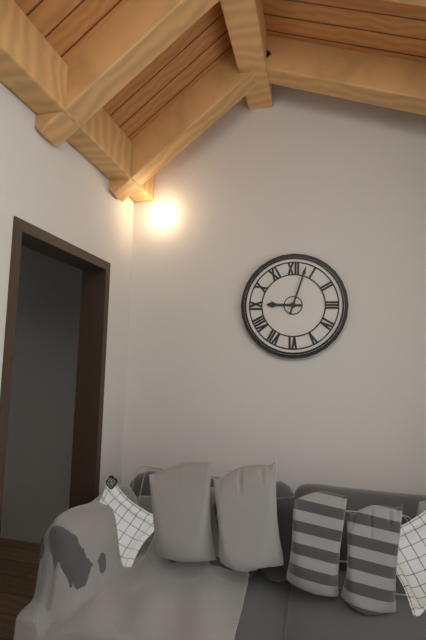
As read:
{"hour": 9, "minute": 3}
